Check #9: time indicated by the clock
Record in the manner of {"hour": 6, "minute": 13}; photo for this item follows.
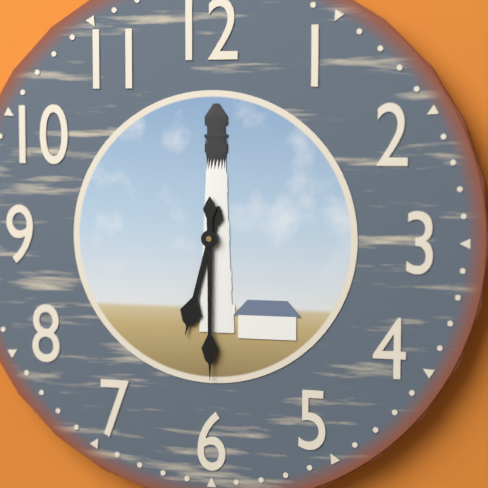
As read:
{"hour": 6, "minute": 30}
